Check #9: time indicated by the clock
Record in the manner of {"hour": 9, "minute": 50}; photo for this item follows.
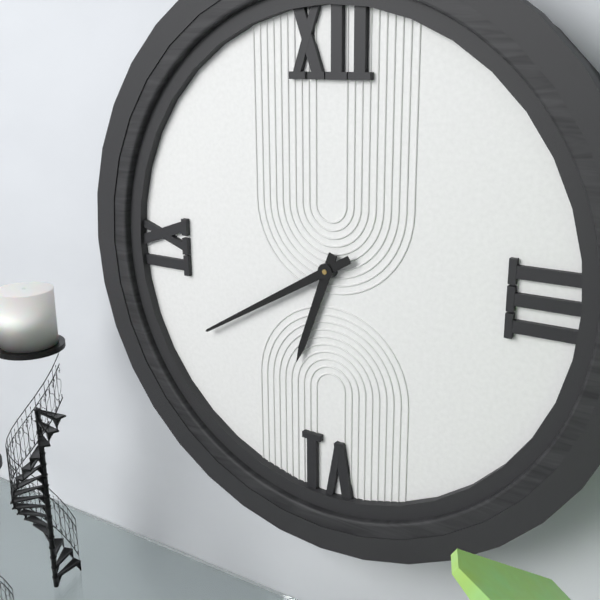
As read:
{"hour": 6, "minute": 40}
